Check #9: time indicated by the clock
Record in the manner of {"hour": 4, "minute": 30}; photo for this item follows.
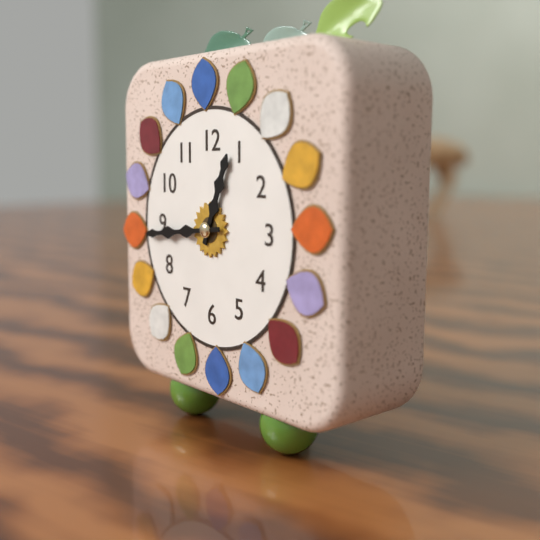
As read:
{"hour": 12, "minute": 44}
